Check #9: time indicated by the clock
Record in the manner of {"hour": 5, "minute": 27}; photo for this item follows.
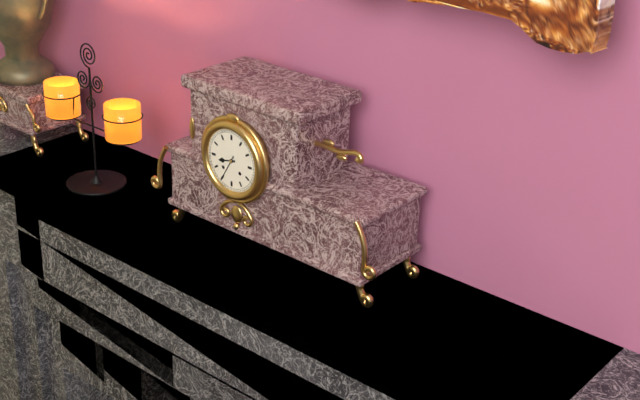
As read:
{"hour": 8, "minute": 35}
